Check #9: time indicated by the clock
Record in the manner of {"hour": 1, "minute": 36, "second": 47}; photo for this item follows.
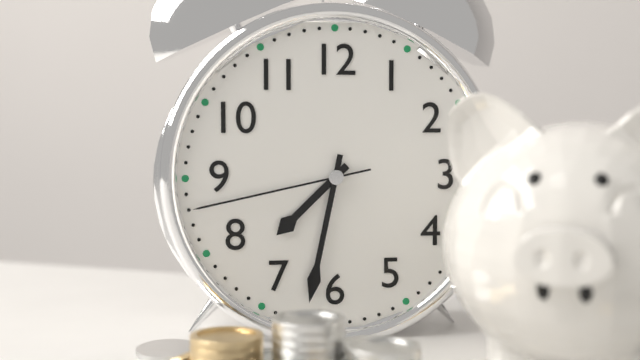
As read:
{"hour": 7, "minute": 32, "second": 43}
